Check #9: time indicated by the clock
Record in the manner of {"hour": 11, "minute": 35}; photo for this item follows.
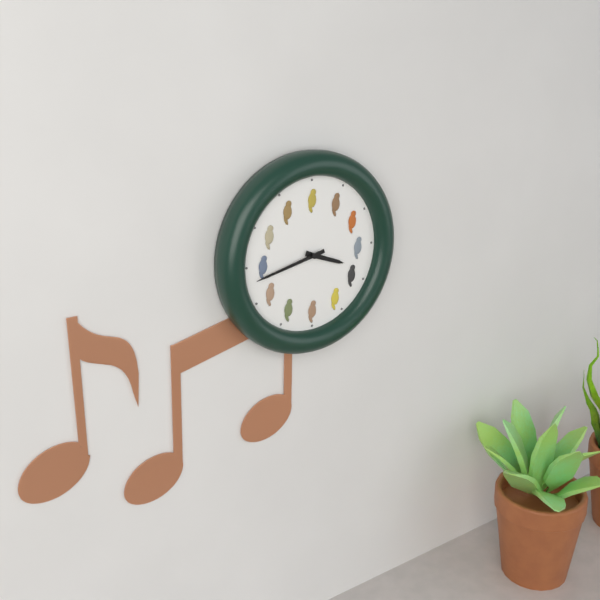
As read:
{"hour": 3, "minute": 43}
